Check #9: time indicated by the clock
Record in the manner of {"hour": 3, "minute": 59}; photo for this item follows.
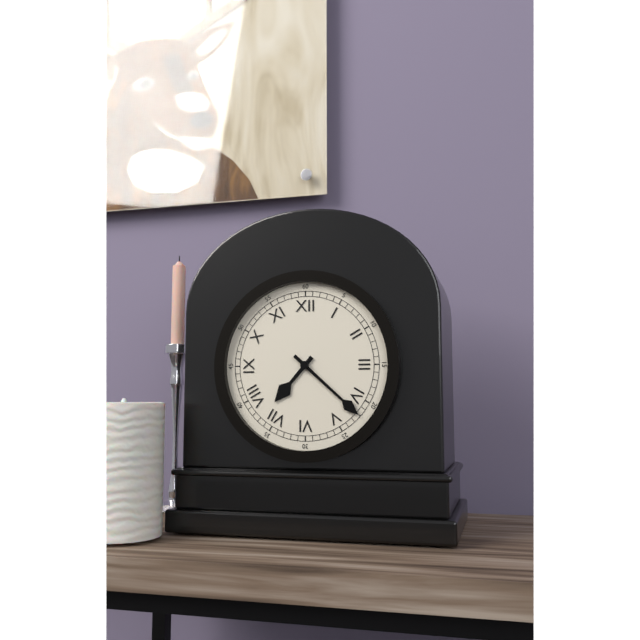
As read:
{"hour": 7, "minute": 22}
